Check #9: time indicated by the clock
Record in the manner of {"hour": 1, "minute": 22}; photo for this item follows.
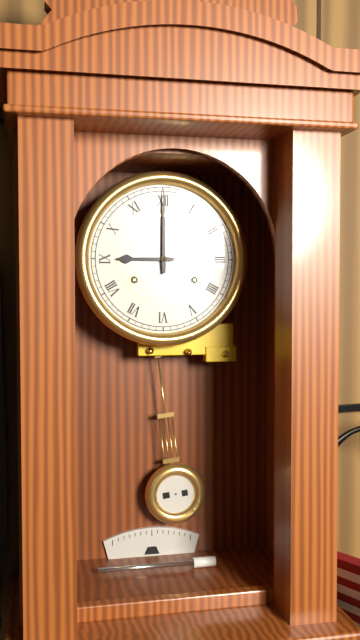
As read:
{"hour": 9, "minute": 0}
